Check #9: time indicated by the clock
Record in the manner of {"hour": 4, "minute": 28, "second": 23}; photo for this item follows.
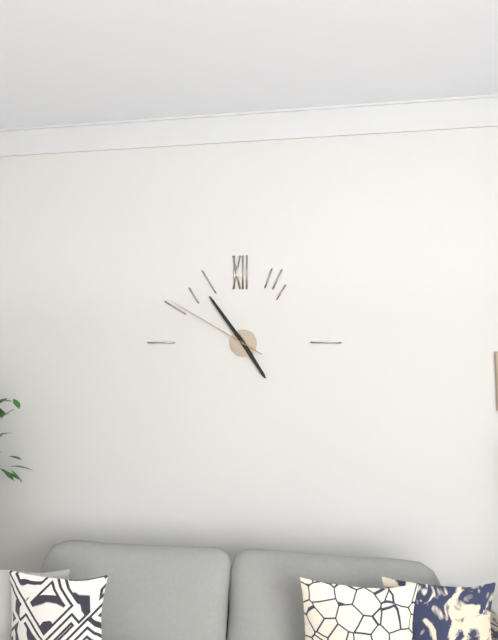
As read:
{"hour": 4, "minute": 54, "second": 50}
